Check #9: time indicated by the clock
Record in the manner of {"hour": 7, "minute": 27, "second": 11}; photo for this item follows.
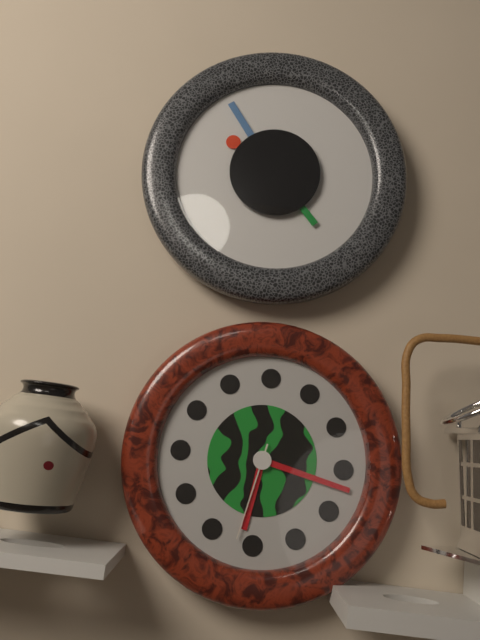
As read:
{"hour": 6, "minute": 17, "second": 32}
